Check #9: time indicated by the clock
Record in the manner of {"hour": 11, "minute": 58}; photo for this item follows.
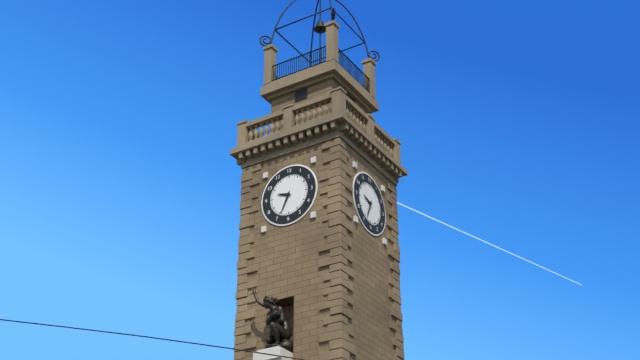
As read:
{"hour": 9, "minute": 34}
